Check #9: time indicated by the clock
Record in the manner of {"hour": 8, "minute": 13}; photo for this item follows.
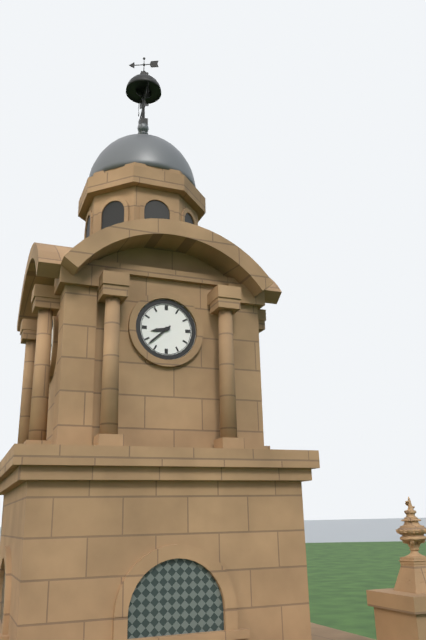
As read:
{"hour": 8, "minute": 38}
